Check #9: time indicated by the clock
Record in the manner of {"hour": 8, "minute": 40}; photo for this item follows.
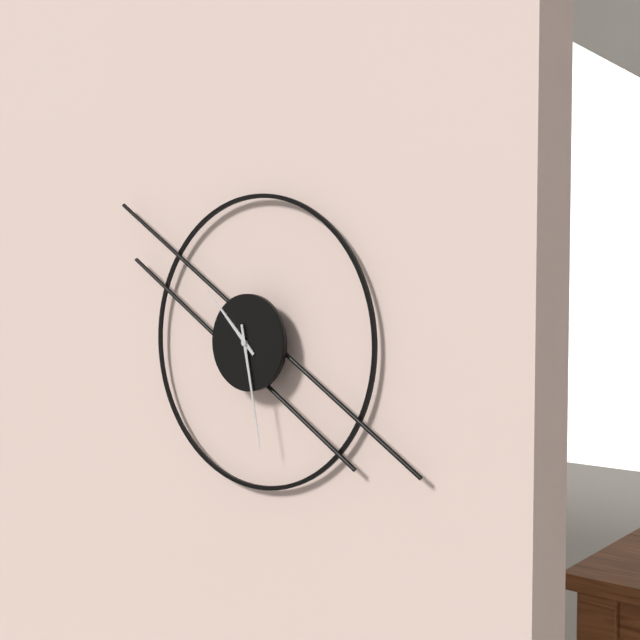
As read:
{"hour": 10, "minute": 28}
